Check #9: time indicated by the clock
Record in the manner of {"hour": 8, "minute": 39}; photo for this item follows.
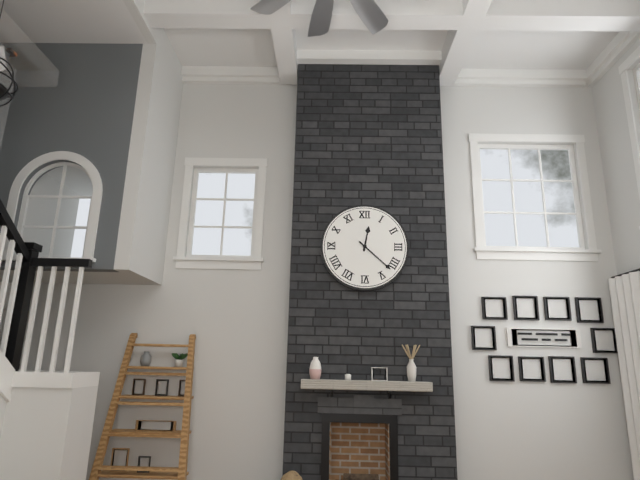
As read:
{"hour": 12, "minute": 22}
